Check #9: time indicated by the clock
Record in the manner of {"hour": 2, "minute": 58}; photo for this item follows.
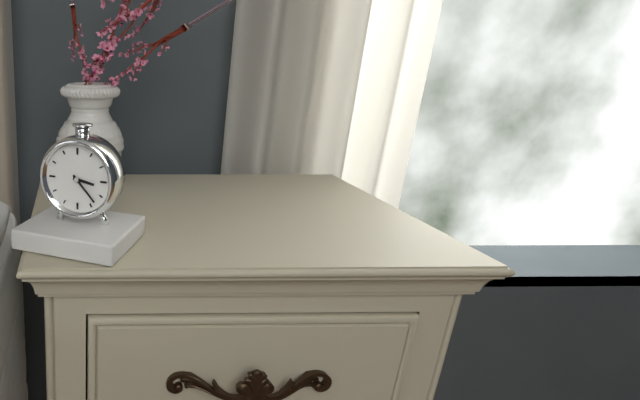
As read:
{"hour": 3, "minute": 23}
